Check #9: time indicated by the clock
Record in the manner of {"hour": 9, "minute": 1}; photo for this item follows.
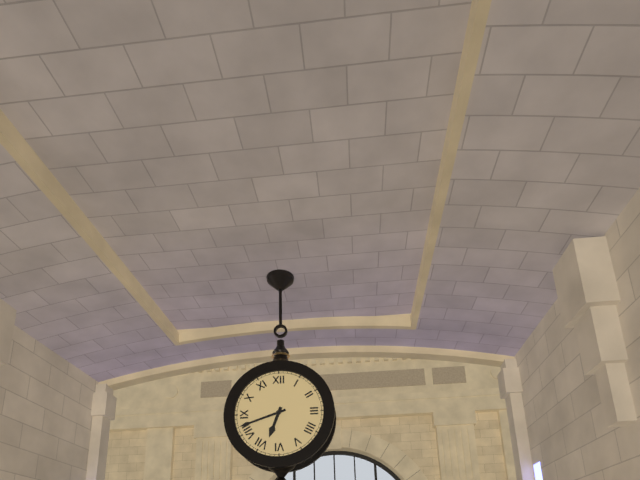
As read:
{"hour": 6, "minute": 42}
